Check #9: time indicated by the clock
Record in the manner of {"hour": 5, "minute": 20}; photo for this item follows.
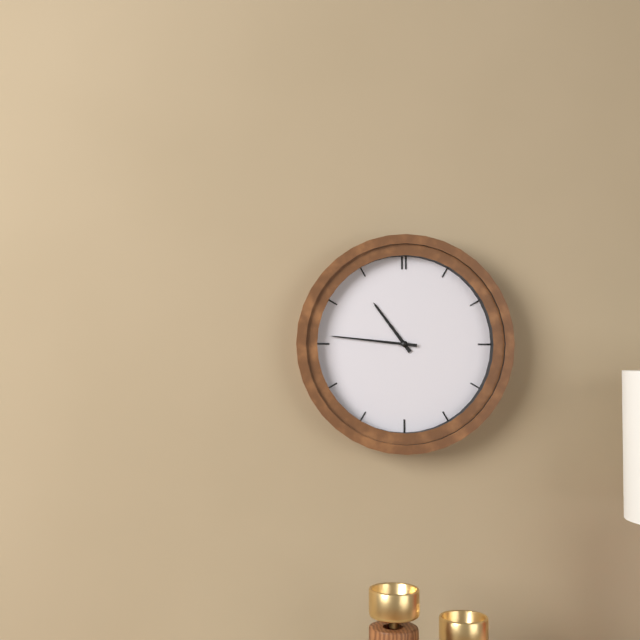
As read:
{"hour": 10, "minute": 46}
